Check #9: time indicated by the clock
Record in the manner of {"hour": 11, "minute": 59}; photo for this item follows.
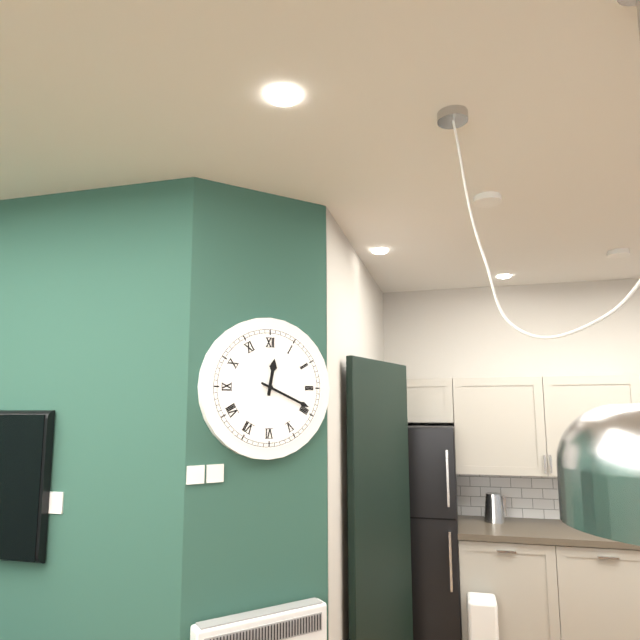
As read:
{"hour": 12, "minute": 19}
